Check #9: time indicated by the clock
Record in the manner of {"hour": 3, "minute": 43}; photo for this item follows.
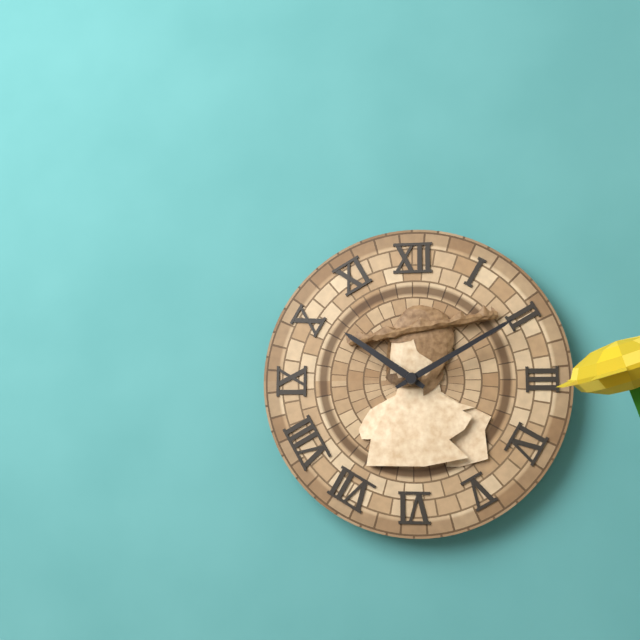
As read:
{"hour": 10, "minute": 10}
